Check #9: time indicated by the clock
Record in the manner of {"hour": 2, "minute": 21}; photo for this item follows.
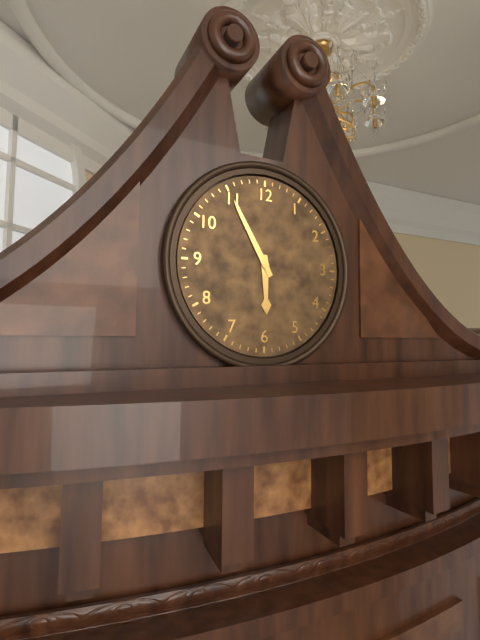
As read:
{"hour": 5, "minute": 55}
